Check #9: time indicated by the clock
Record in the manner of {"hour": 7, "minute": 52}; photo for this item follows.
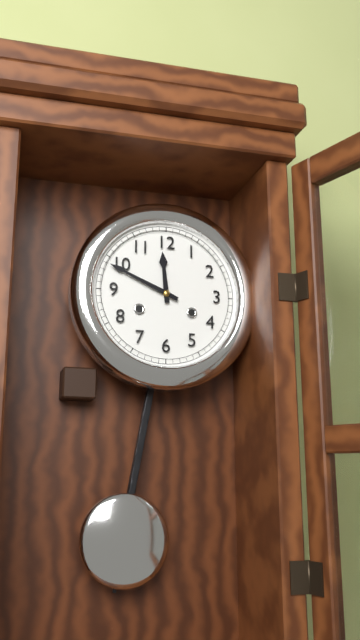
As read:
{"hour": 11, "minute": 49}
